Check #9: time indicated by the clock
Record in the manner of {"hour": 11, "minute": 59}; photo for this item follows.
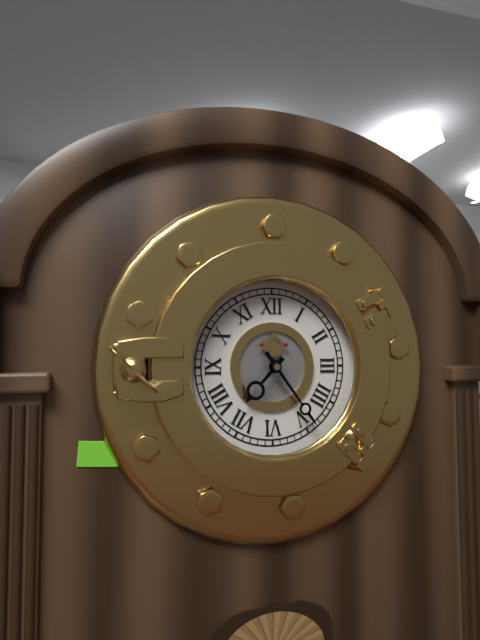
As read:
{"hour": 7, "minute": 24}
